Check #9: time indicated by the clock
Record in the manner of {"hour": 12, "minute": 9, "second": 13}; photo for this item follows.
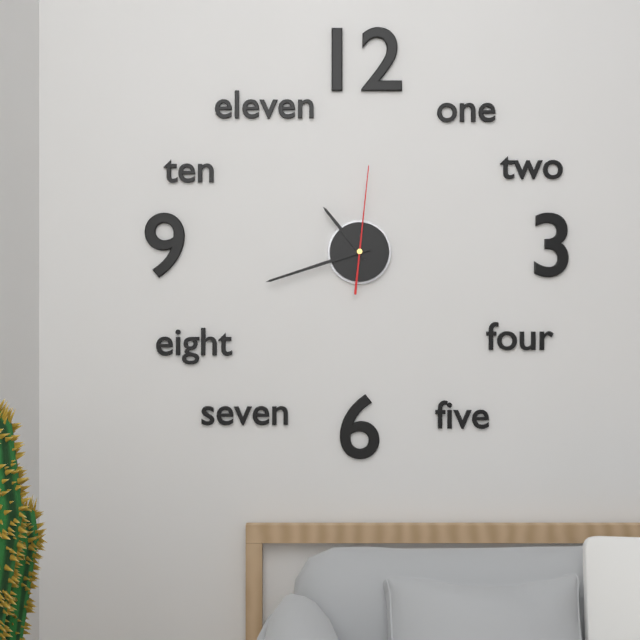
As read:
{"hour": 10, "minute": 42, "second": 1}
